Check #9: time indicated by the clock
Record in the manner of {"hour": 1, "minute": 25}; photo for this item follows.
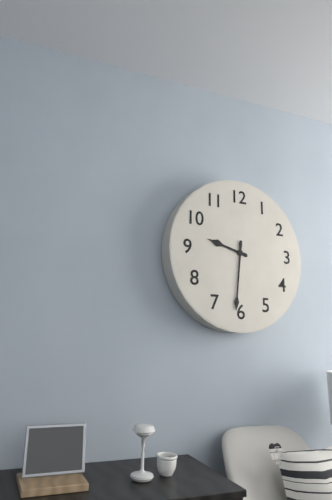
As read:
{"hour": 9, "minute": 31}
